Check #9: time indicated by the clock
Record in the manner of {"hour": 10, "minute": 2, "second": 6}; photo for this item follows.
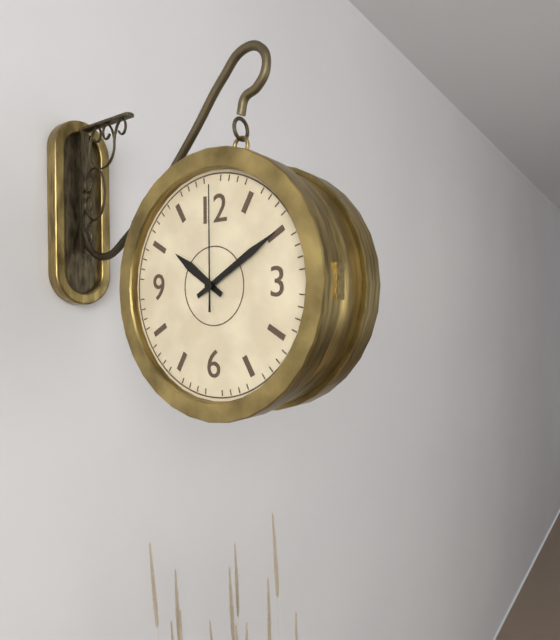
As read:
{"hour": 10, "minute": 10, "second": 0}
